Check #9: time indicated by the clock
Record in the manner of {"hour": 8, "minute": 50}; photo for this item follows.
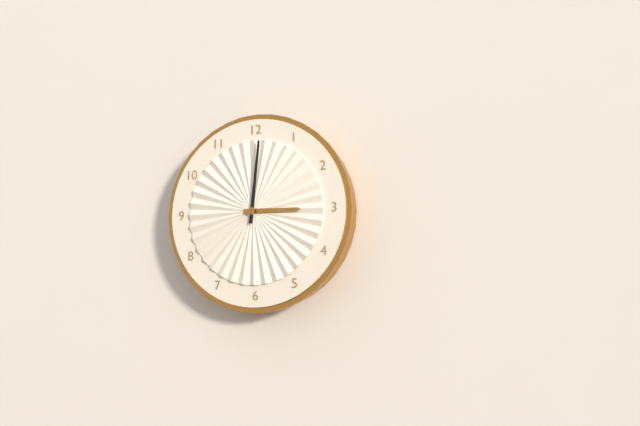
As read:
{"hour": 3, "minute": 1}
